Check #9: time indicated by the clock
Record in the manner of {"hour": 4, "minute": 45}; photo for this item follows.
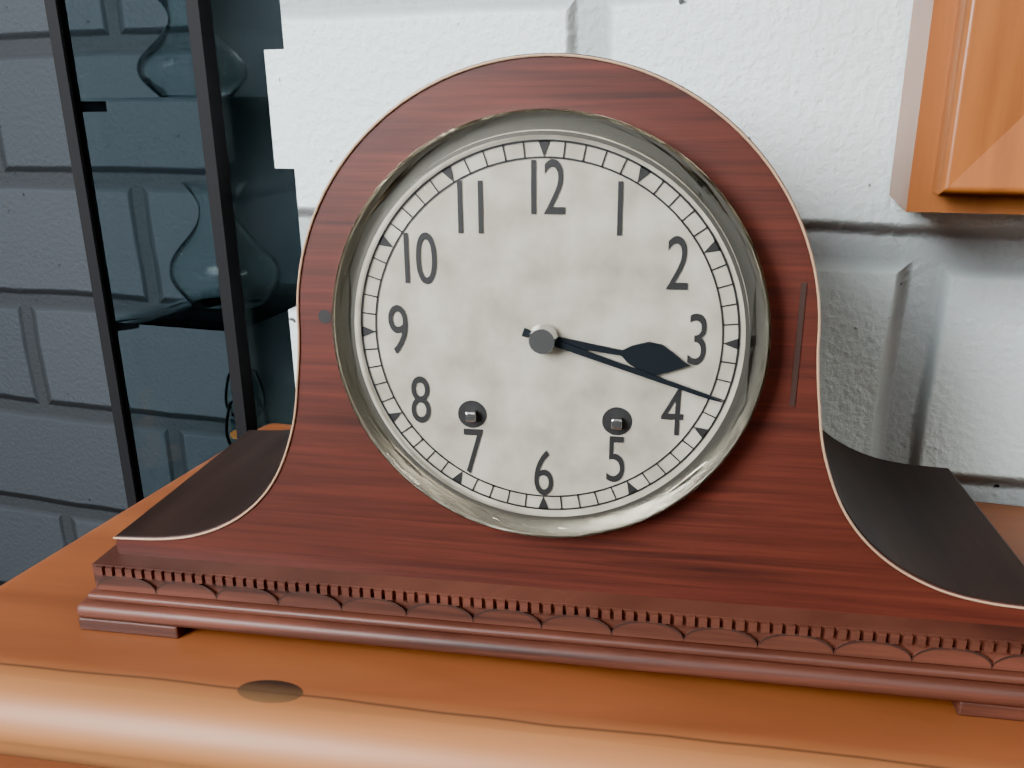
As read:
{"hour": 3, "minute": 18}
